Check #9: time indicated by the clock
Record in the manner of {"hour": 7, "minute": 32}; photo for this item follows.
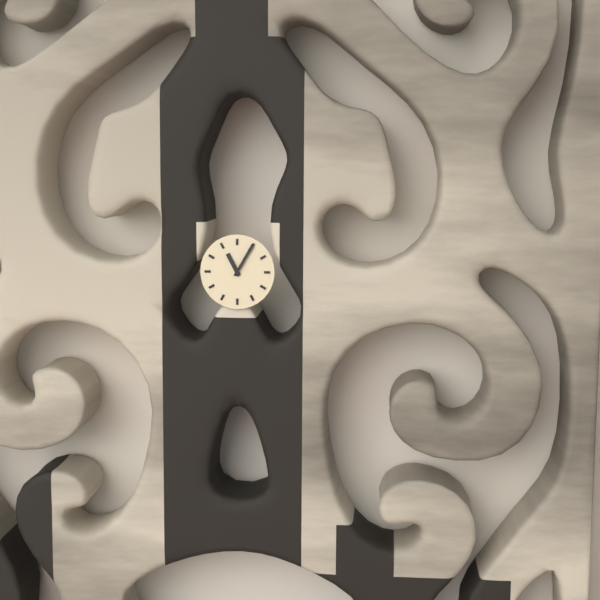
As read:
{"hour": 11, "minute": 5}
